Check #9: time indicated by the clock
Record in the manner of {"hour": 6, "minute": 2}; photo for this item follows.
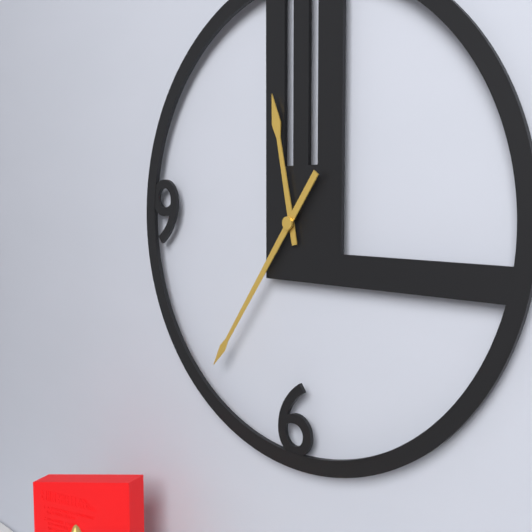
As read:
{"hour": 11, "minute": 36}
